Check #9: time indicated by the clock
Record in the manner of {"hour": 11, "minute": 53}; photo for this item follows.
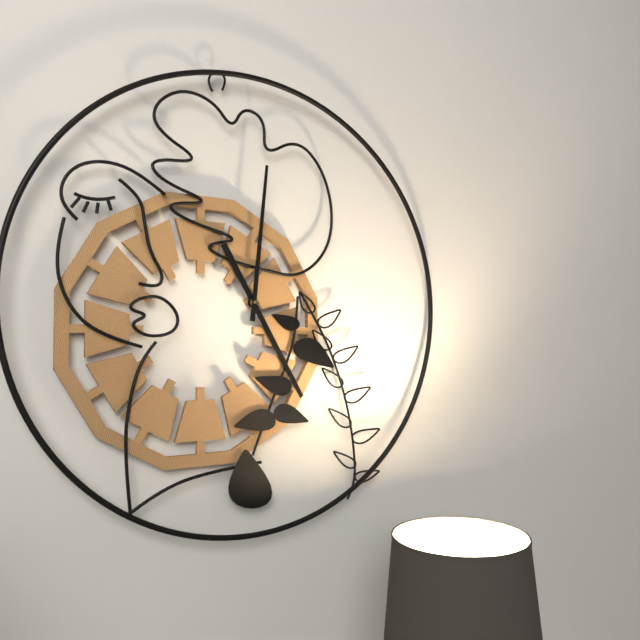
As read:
{"hour": 5, "minute": 1}
